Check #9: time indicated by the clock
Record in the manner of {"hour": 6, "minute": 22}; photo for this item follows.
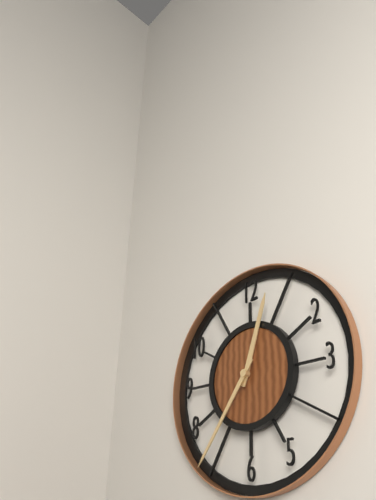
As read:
{"hour": 12, "minute": 36}
